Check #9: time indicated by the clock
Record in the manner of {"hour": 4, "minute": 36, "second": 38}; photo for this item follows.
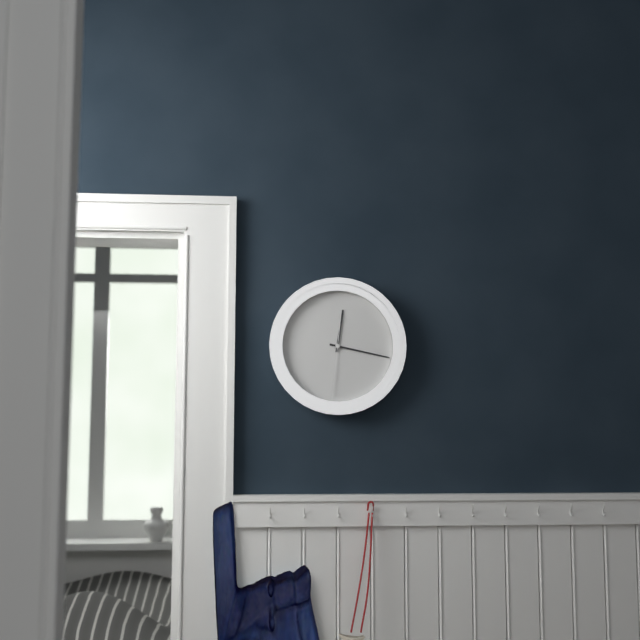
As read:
{"hour": 12, "minute": 17, "second": 31}
